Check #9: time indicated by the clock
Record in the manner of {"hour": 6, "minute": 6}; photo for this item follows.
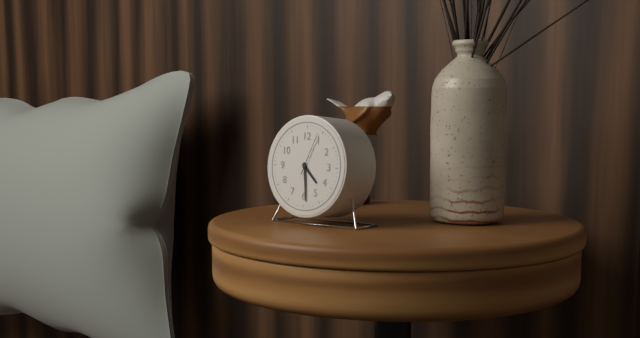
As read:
{"hour": 4, "minute": 29}
